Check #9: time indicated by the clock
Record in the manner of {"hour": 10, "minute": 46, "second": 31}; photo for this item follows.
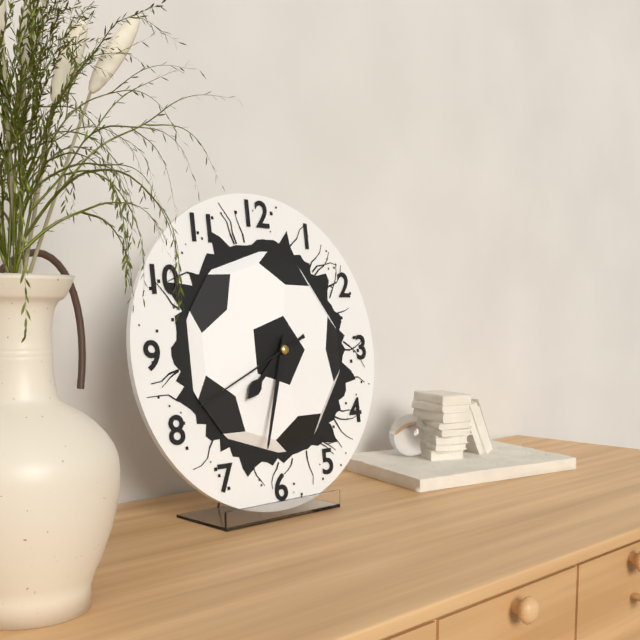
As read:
{"hour": 7, "minute": 33, "second": 41}
